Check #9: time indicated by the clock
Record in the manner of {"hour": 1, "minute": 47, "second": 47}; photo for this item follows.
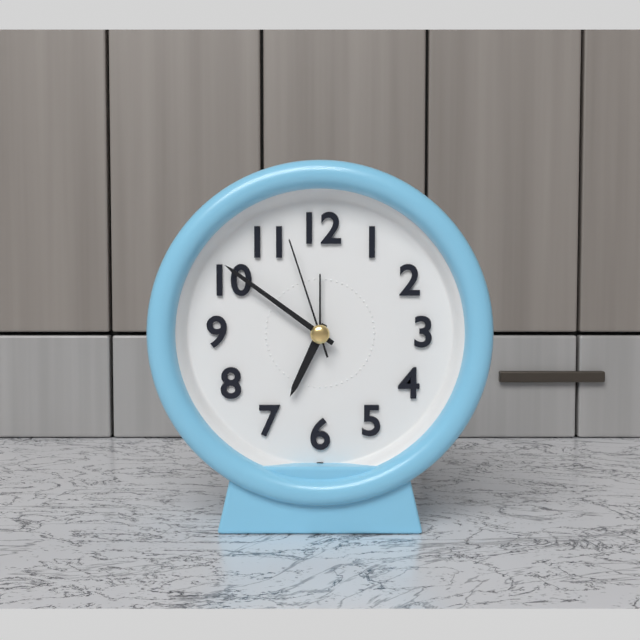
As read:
{"hour": 6, "minute": 51, "second": 57}
